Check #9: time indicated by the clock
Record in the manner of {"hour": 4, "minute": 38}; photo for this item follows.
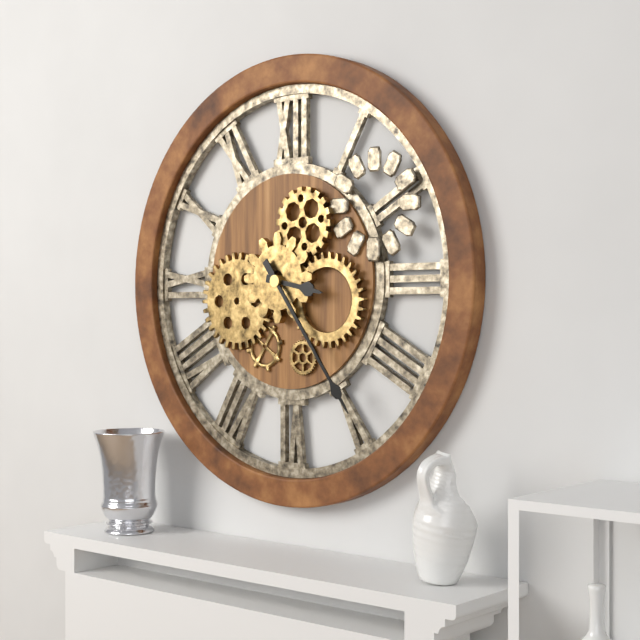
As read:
{"hour": 3, "minute": 24}
